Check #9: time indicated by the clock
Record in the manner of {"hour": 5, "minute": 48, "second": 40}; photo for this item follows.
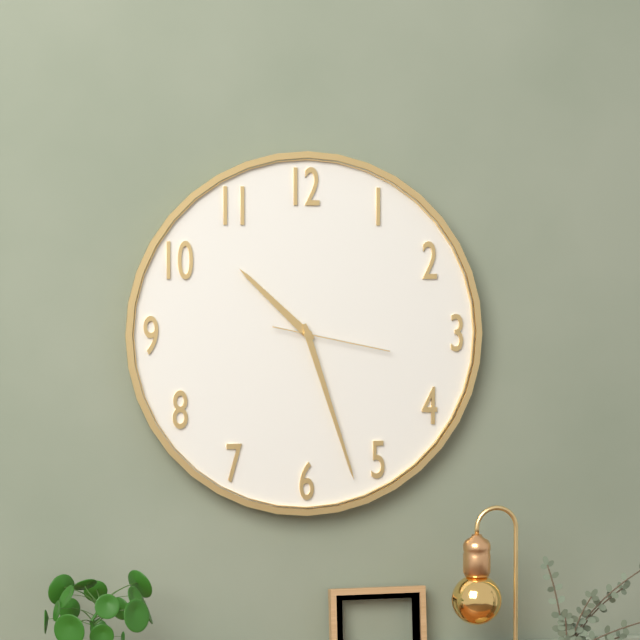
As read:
{"hour": 10, "minute": 27, "second": 17}
